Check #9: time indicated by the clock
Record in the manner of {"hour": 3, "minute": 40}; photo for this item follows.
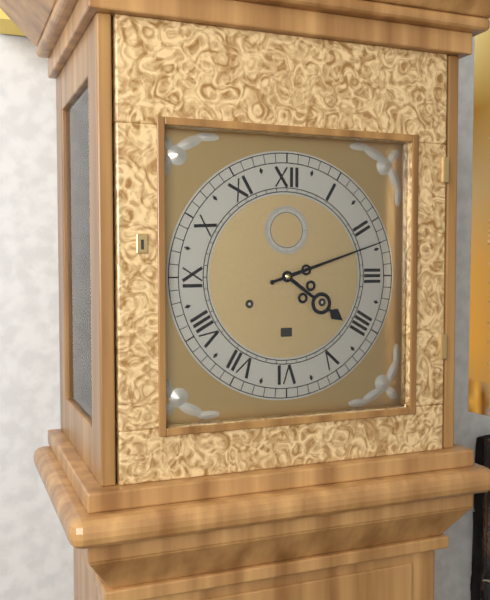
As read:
{"hour": 4, "minute": 12}
